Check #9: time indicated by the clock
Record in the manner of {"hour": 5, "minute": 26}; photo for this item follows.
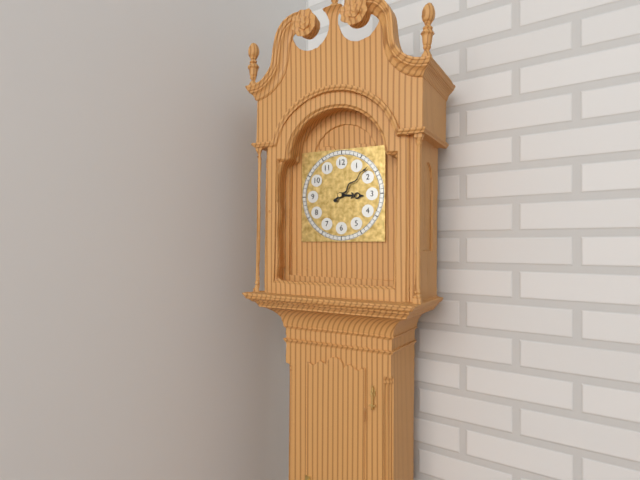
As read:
{"hour": 3, "minute": 8}
